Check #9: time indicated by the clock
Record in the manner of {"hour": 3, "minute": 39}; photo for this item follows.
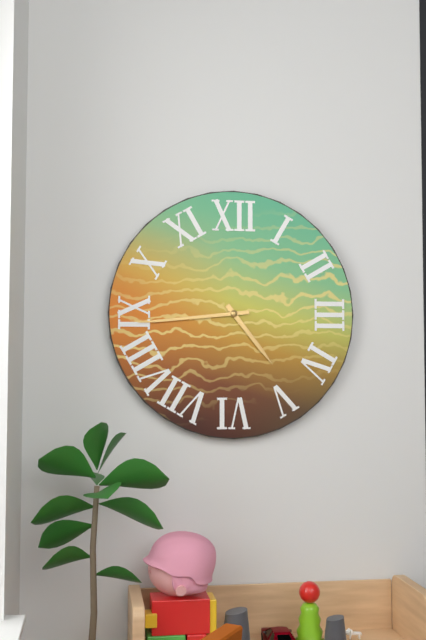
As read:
{"hour": 4, "minute": 44}
